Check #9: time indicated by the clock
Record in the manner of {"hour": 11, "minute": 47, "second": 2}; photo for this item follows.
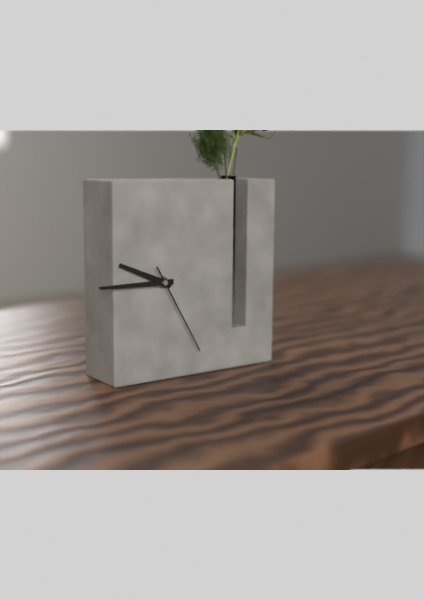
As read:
{"hour": 9, "minute": 45, "second": 25}
